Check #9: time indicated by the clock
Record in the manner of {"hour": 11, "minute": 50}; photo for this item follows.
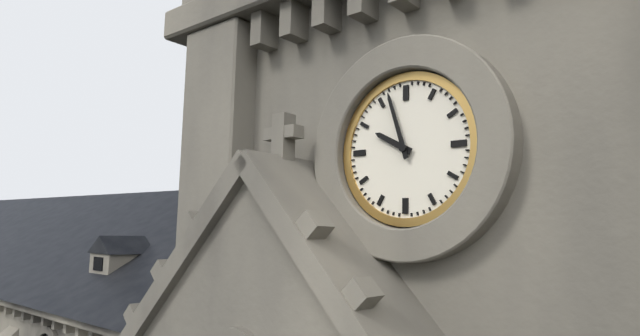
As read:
{"hour": 9, "minute": 57}
